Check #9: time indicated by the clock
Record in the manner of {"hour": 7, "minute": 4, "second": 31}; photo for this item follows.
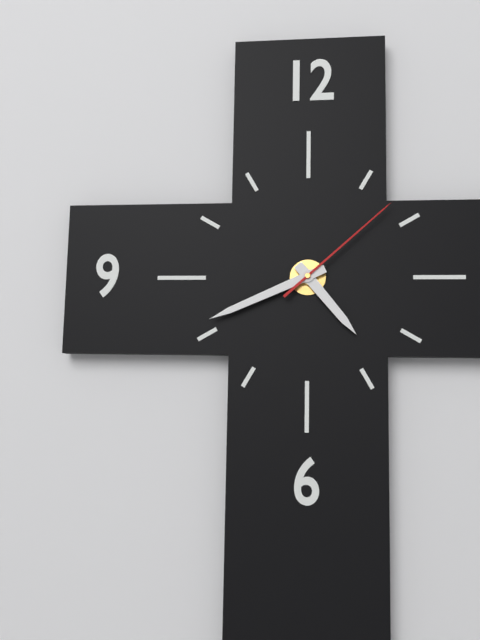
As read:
{"hour": 4, "minute": 41, "second": 8}
